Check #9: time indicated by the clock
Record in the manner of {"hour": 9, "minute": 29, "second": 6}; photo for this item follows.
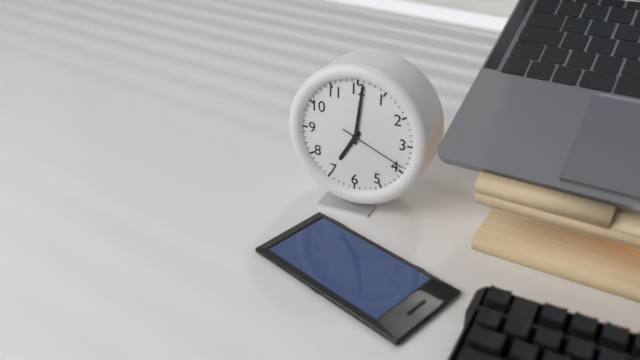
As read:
{"hour": 7, "minute": 1, "second": 19}
